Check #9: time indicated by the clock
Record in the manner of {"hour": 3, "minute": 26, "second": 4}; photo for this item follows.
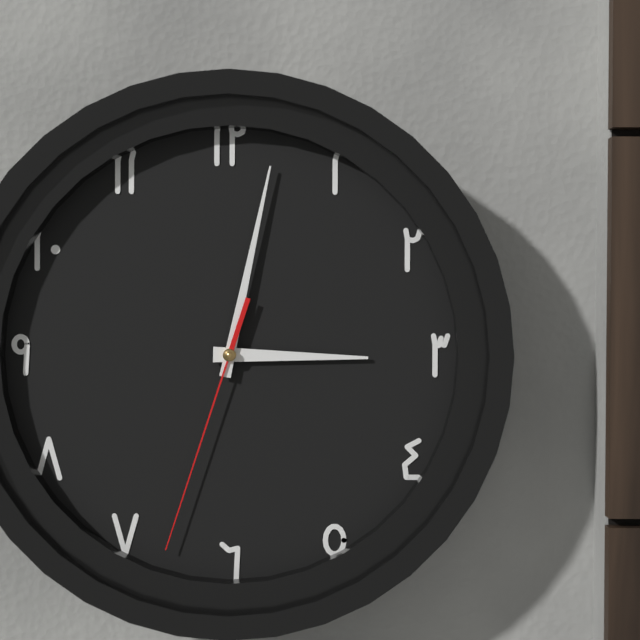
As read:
{"hour": 3, "minute": 2, "second": 33}
